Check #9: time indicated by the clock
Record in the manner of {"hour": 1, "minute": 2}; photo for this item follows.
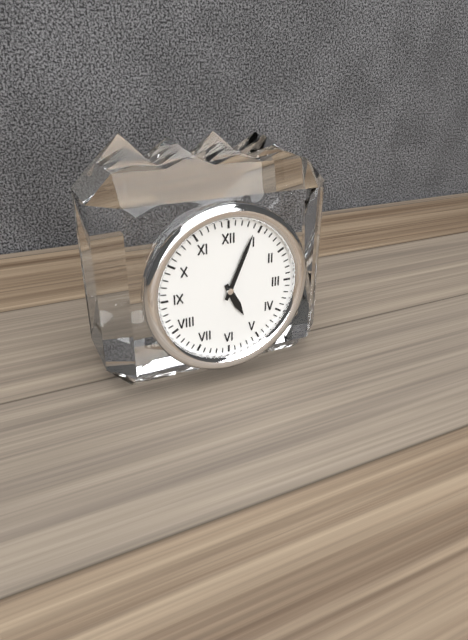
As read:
{"hour": 5, "minute": 4}
